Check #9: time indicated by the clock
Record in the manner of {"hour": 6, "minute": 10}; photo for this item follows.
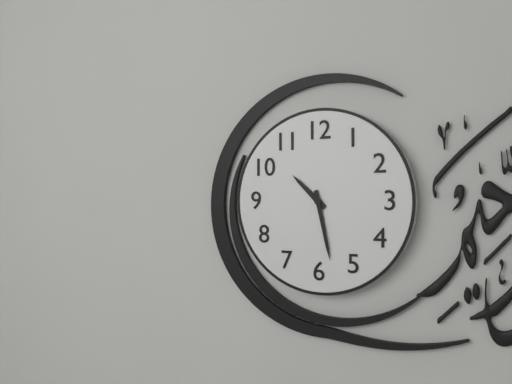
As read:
{"hour": 10, "minute": 28}
